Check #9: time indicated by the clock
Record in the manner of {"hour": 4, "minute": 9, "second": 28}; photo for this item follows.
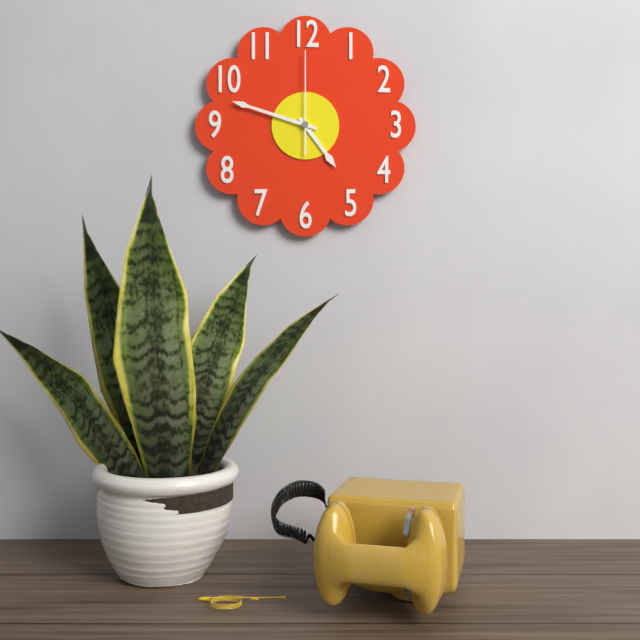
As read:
{"hour": 4, "minute": 48, "second": 0}
